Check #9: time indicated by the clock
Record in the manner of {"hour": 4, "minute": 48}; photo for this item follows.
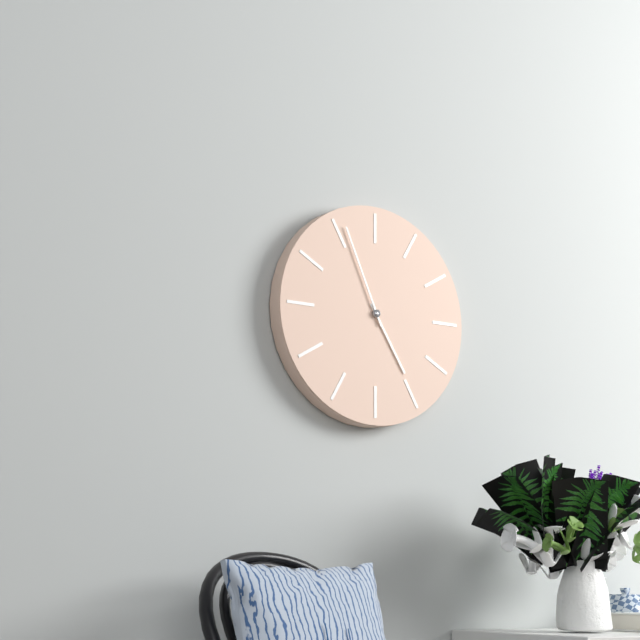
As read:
{"hour": 4, "minute": 56}
